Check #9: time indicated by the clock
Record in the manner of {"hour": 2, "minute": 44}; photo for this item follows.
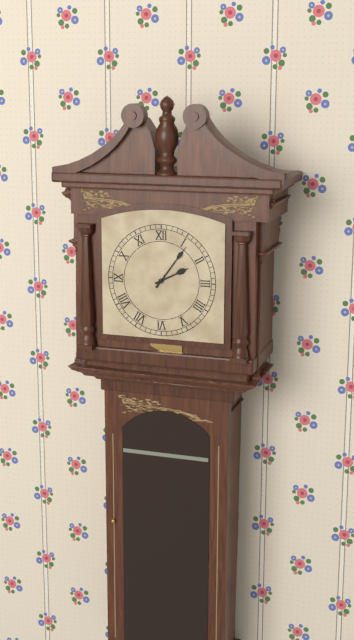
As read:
{"hour": 2, "minute": 6}
